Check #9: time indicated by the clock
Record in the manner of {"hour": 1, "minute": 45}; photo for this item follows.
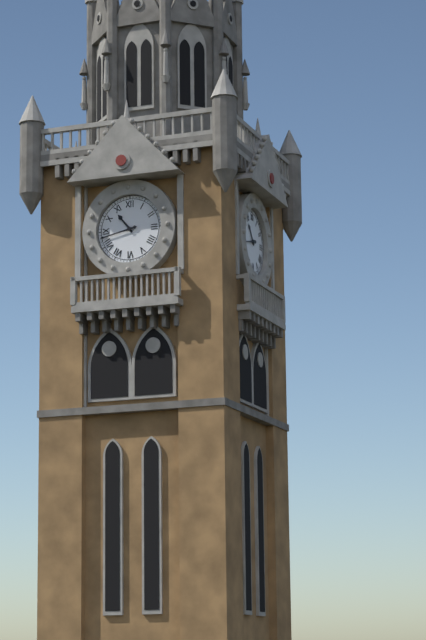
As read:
{"hour": 10, "minute": 43}
